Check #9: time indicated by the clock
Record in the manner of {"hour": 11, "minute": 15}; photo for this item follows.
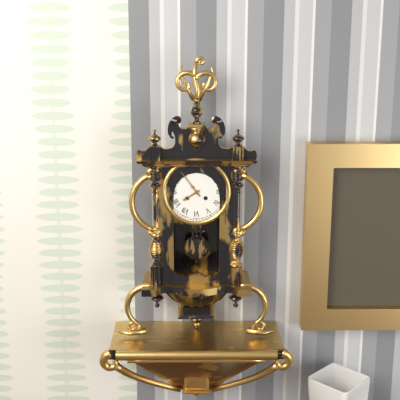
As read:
{"hour": 7, "minute": 54}
